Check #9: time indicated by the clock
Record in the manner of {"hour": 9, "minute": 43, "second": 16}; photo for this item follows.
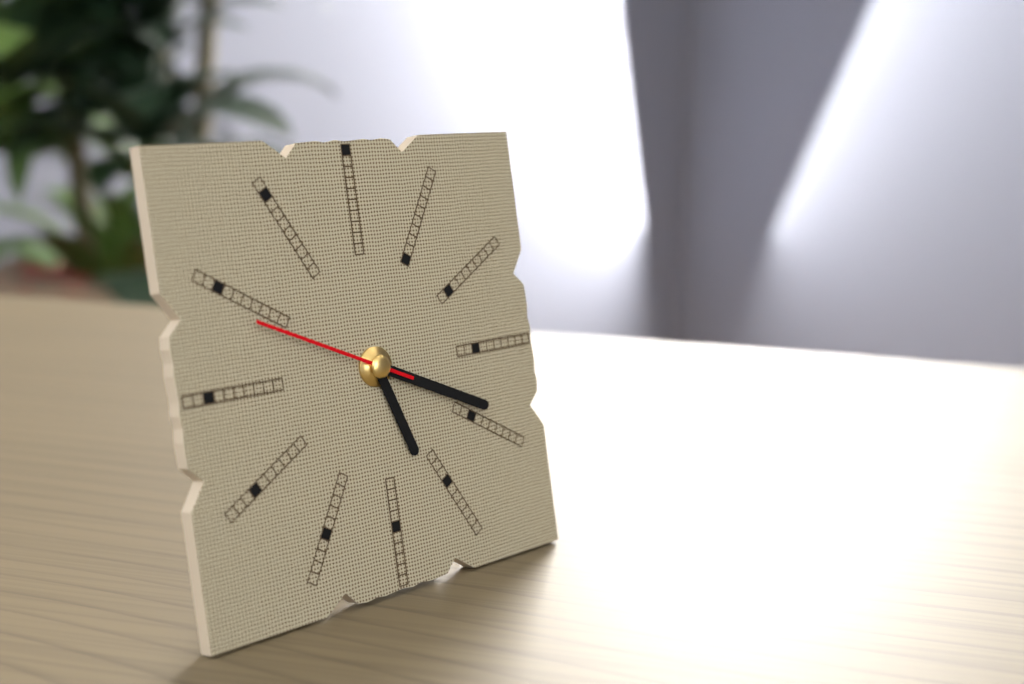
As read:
{"hour": 5, "minute": 19, "second": 49}
